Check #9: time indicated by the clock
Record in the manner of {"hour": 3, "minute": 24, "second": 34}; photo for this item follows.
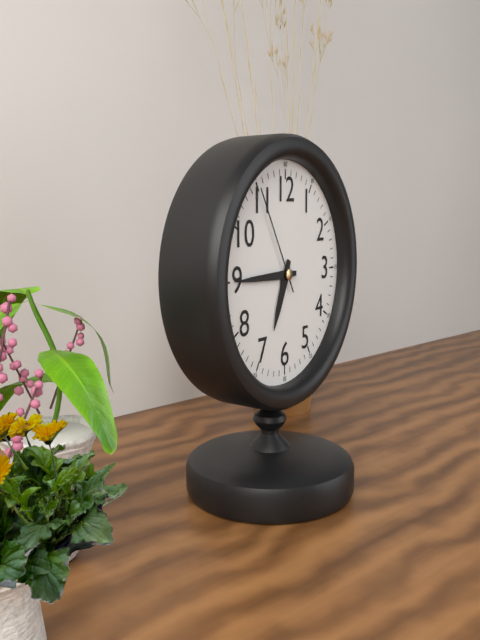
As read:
{"hour": 6, "minute": 45, "second": 55}
